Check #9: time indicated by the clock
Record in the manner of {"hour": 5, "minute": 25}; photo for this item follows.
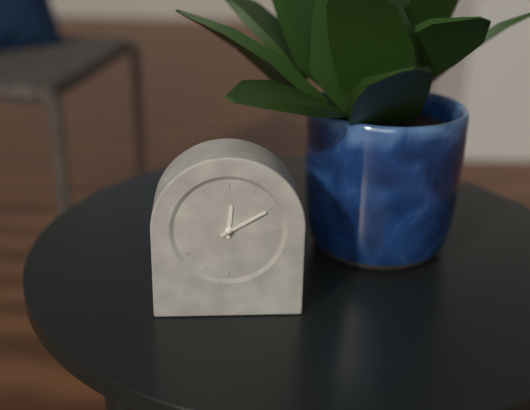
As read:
{"hour": 12, "minute": 10}
